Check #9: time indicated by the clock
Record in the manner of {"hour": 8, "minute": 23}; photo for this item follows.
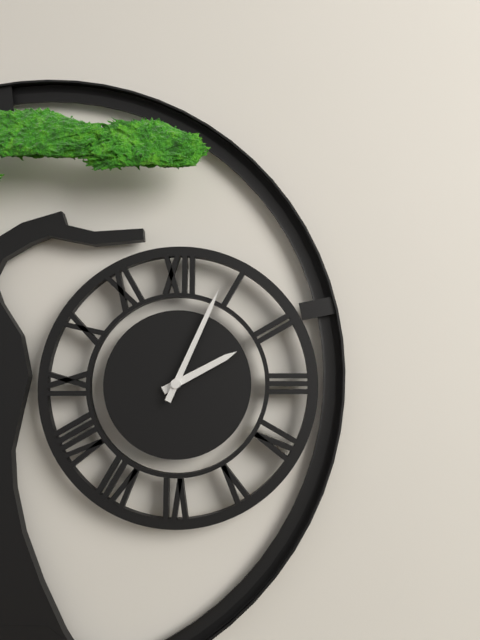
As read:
{"hour": 2, "minute": 4}
